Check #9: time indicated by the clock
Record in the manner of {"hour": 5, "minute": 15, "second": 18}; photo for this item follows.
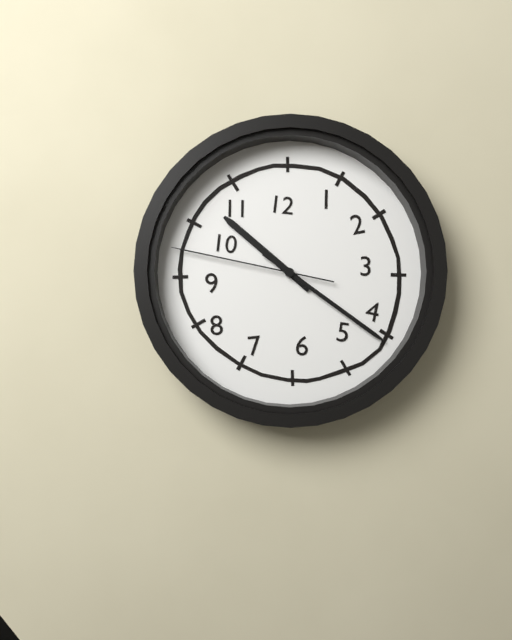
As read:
{"hour": 10, "minute": 21, "second": 47}
